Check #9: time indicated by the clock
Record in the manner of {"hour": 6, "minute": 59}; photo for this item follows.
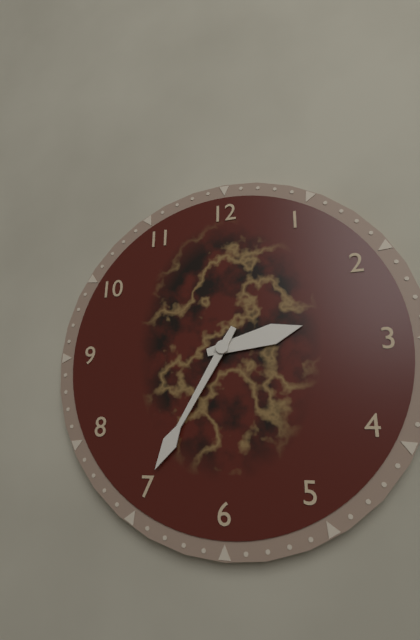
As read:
{"hour": 2, "minute": 35}
